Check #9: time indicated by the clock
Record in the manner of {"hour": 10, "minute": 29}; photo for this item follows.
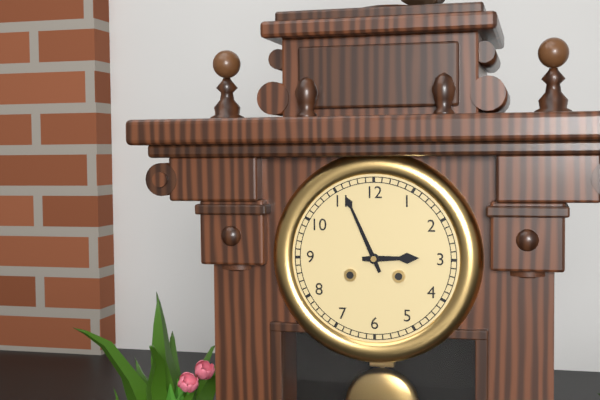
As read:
{"hour": 2, "minute": 56}
